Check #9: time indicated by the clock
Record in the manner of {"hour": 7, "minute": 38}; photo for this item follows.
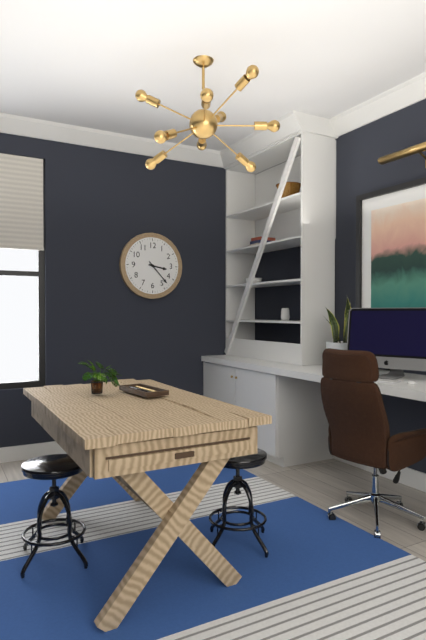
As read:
{"hour": 3, "minute": 23}
